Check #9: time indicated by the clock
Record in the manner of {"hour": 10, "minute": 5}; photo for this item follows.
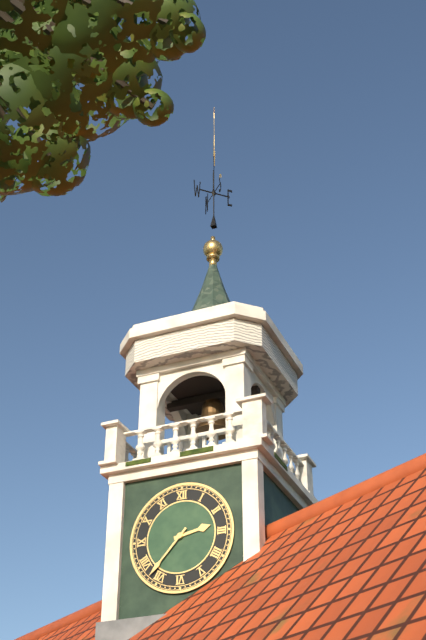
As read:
{"hour": 2, "minute": 37}
